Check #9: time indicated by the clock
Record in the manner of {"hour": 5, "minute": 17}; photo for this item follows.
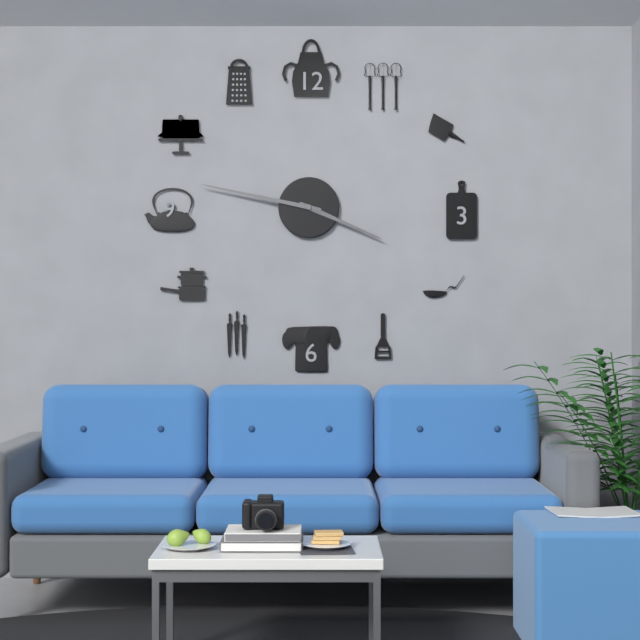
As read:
{"hour": 3, "minute": 47}
